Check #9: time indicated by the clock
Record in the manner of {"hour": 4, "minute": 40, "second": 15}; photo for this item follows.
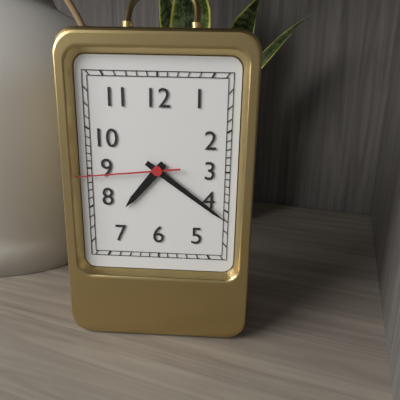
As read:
{"hour": 7, "minute": 21, "second": 44}
